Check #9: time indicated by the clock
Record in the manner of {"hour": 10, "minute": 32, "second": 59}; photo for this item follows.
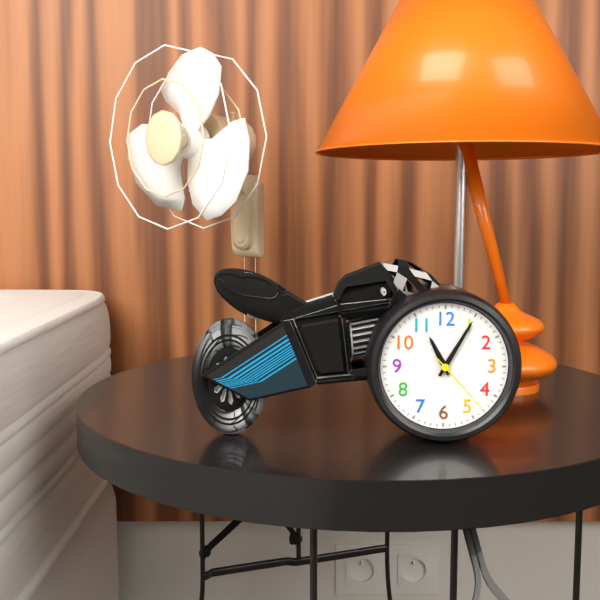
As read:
{"hour": 11, "minute": 5, "second": 23}
